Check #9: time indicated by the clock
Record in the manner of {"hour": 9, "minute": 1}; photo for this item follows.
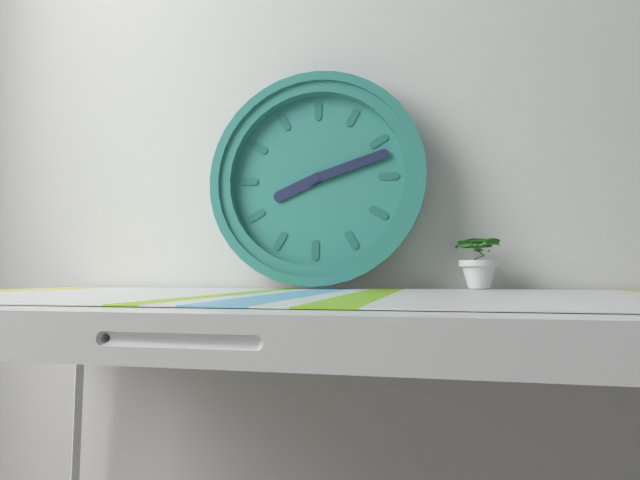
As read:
{"hour": 8, "minute": 12}
